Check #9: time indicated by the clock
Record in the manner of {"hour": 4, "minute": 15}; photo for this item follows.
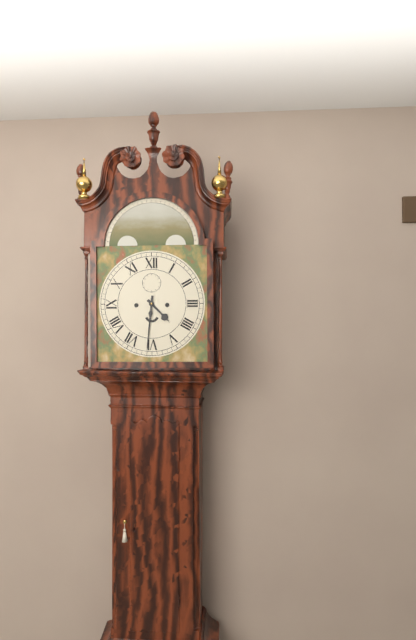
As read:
{"hour": 4, "minute": 31}
